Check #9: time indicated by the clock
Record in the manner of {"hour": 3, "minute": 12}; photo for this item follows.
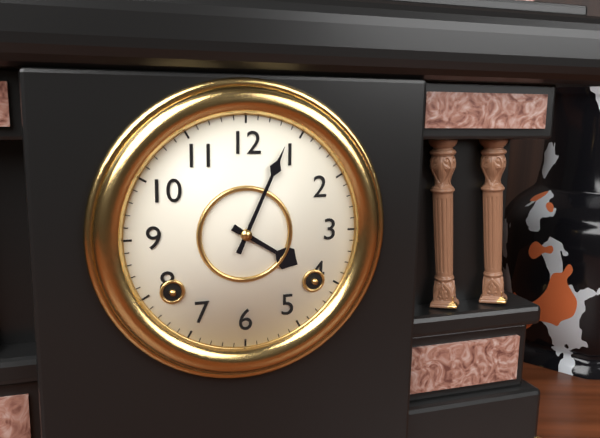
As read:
{"hour": 4, "minute": 4}
